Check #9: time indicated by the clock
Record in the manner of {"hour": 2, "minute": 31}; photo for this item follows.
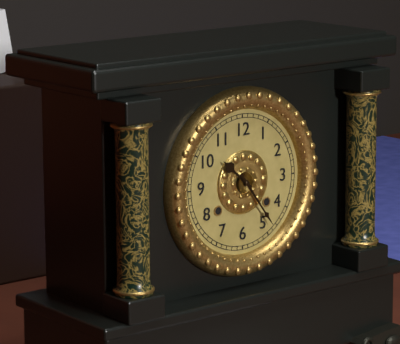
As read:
{"hour": 10, "minute": 24}
